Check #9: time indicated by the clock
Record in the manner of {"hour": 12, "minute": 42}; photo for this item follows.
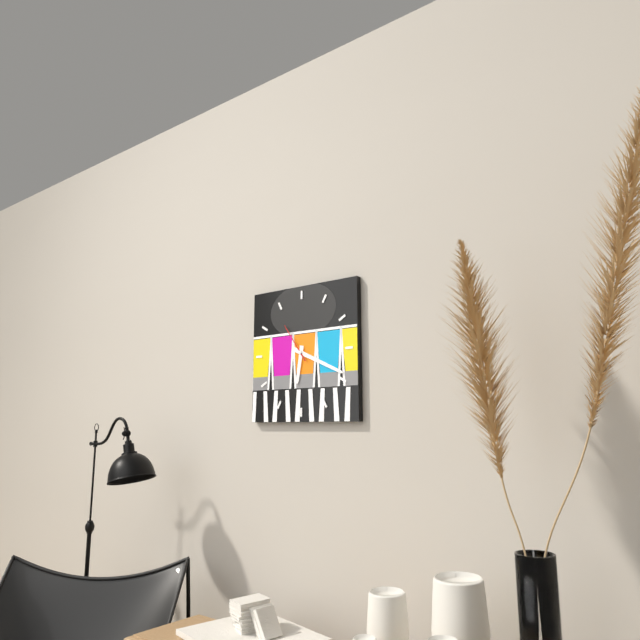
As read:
{"hour": 6, "minute": 19}
